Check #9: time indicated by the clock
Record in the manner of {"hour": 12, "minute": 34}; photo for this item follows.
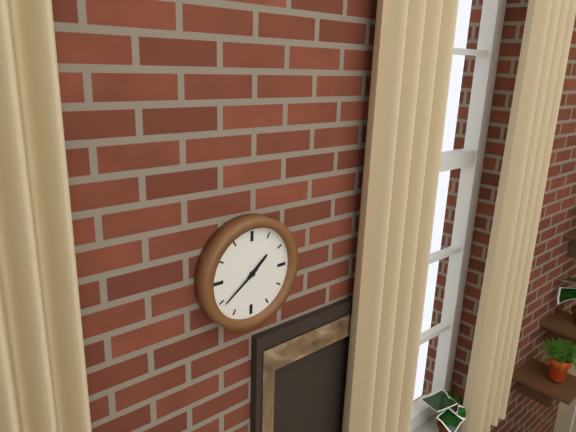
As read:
{"hour": 1, "minute": 39}
